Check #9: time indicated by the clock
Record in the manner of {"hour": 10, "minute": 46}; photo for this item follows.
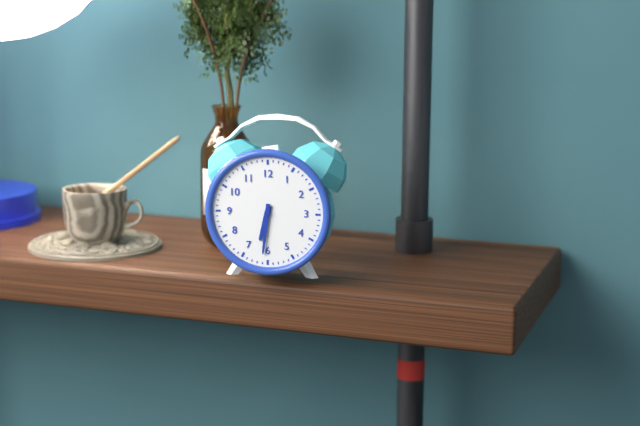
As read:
{"hour": 6, "minute": 31}
